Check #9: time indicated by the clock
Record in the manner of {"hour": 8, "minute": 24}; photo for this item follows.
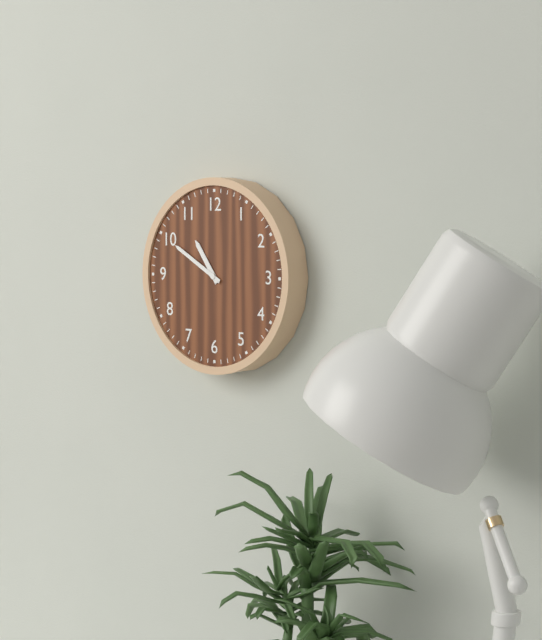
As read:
{"hour": 10, "minute": 50}
